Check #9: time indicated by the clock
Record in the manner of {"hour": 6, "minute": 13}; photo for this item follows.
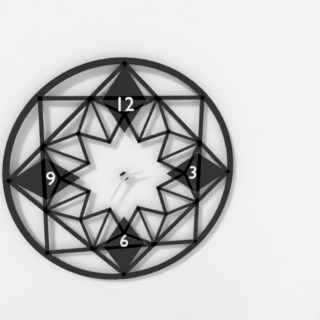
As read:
{"hour": 2, "minute": 35}
